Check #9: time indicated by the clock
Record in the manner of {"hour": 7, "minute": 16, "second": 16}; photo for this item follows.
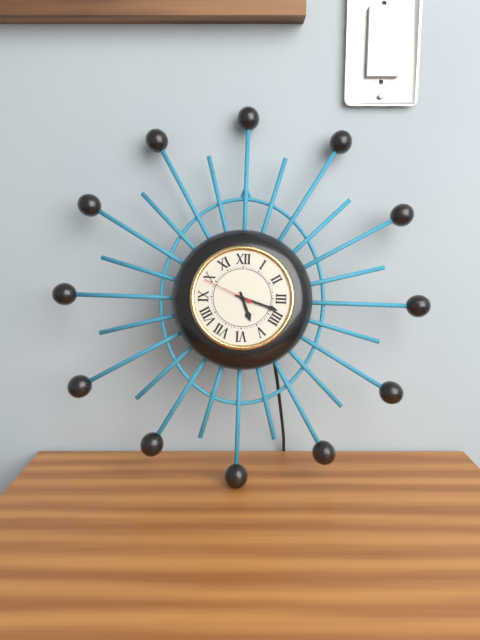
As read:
{"hour": 5, "minute": 18, "second": 49}
